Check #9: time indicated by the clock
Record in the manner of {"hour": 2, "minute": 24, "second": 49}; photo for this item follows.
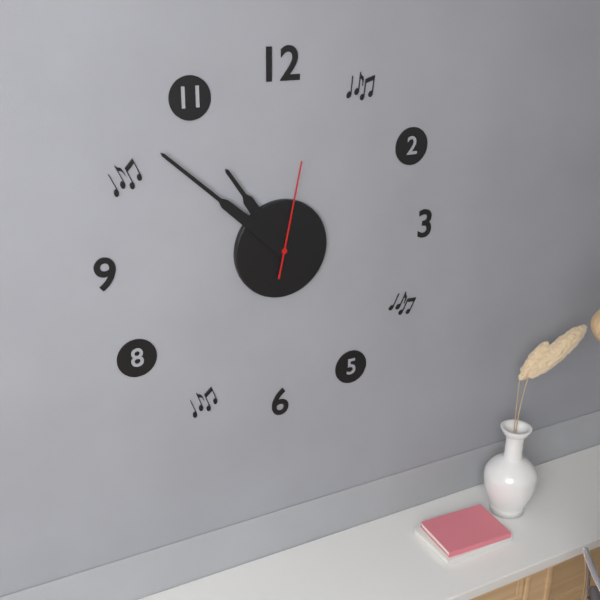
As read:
{"hour": 10, "minute": 52, "second": 2}
